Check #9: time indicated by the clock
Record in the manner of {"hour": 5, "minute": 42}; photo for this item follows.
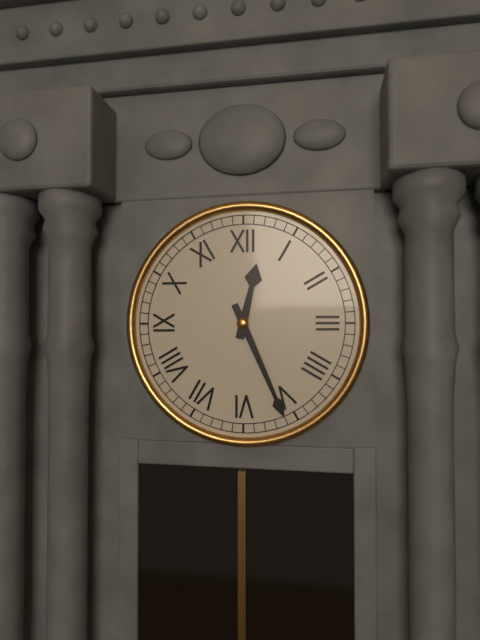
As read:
{"hour": 12, "minute": 26}
